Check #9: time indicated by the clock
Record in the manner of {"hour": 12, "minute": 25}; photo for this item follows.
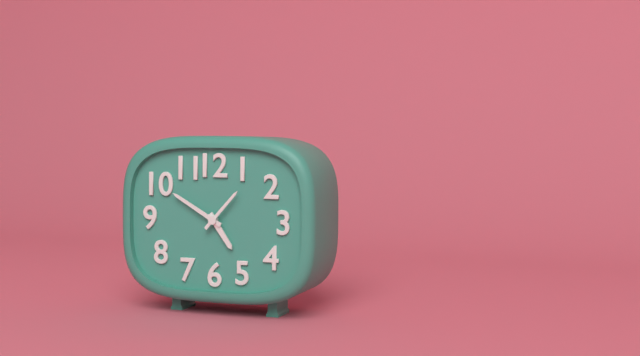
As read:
{"hour": 4, "minute": 50}
